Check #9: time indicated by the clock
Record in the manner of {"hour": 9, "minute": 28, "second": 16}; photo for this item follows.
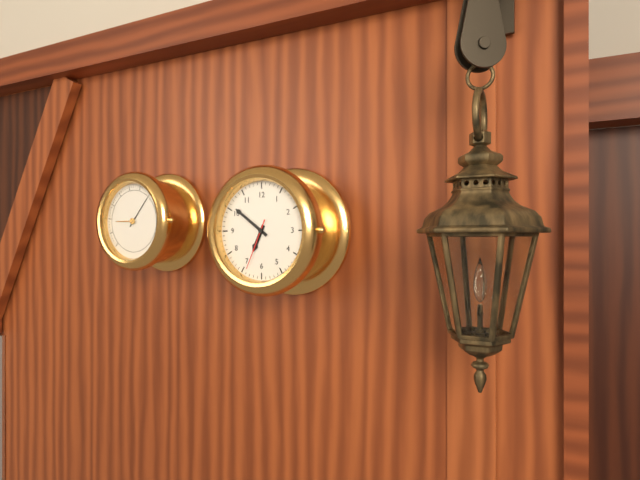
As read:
{"hour": 6, "minute": 51, "second": 34}
